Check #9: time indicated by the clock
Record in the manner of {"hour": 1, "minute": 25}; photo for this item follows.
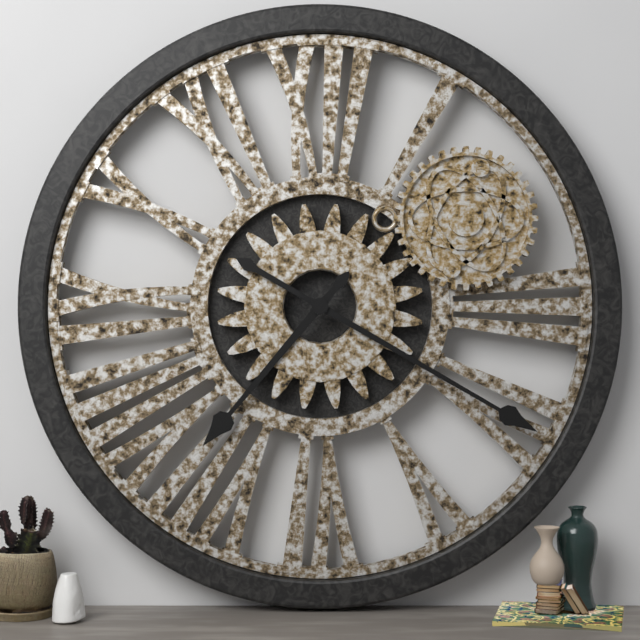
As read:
{"hour": 7, "minute": 20}
